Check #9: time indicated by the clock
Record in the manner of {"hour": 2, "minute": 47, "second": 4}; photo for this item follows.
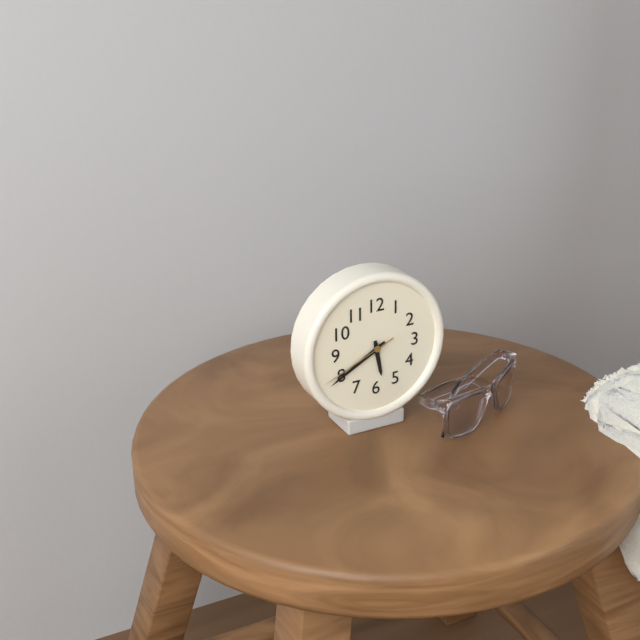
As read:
{"hour": 5, "minute": 40, "second": 41}
